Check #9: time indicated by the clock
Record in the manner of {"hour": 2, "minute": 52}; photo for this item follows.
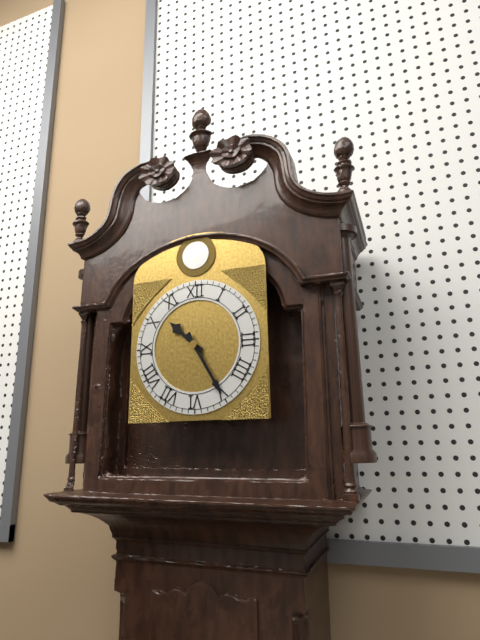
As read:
{"hour": 10, "minute": 25}
